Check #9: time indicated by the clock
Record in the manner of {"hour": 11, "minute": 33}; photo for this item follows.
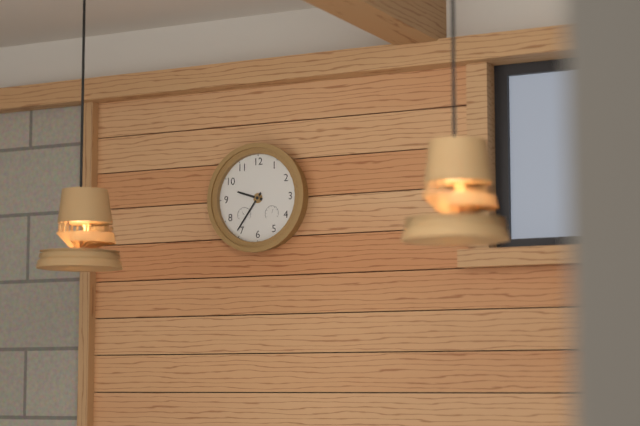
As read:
{"hour": 9, "minute": 36}
